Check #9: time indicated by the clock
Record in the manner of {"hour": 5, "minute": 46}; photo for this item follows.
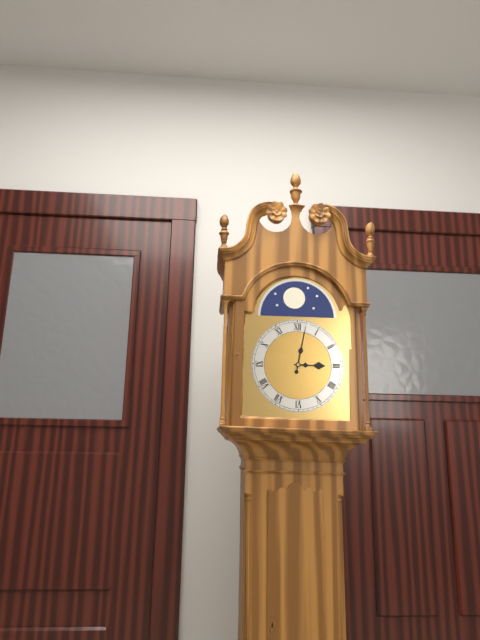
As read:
{"hour": 3, "minute": 2}
